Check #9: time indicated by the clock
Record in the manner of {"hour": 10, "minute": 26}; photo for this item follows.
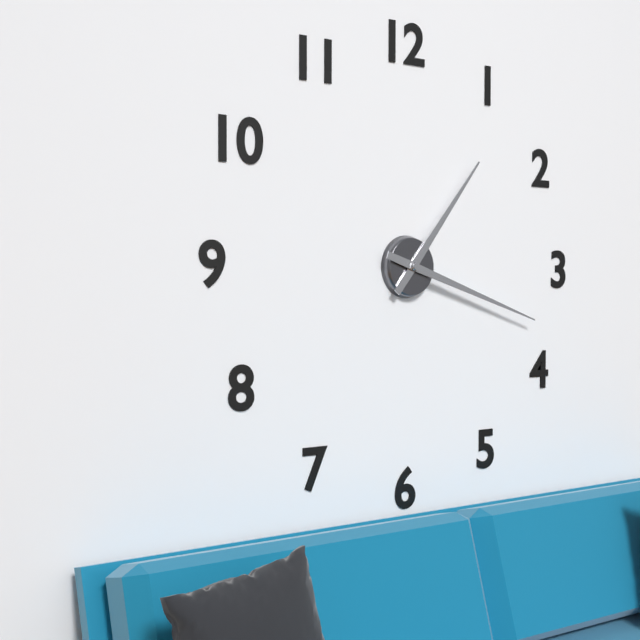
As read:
{"hour": 1, "minute": 18}
